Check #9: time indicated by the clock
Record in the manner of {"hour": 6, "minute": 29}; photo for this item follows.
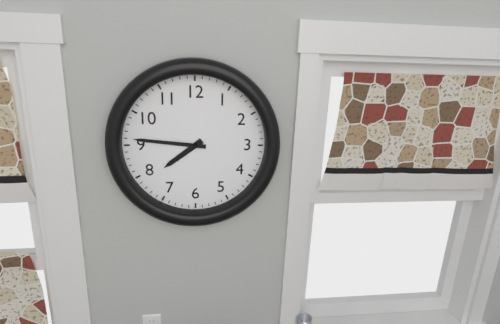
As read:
{"hour": 7, "minute": 46}
